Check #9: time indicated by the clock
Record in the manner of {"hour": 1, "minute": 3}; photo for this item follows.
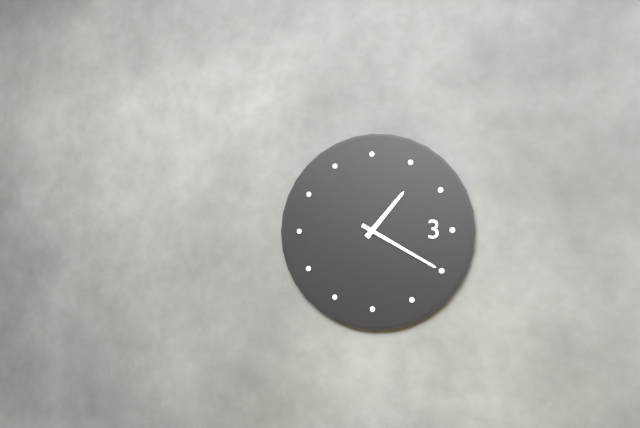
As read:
{"hour": 1, "minute": 20}
